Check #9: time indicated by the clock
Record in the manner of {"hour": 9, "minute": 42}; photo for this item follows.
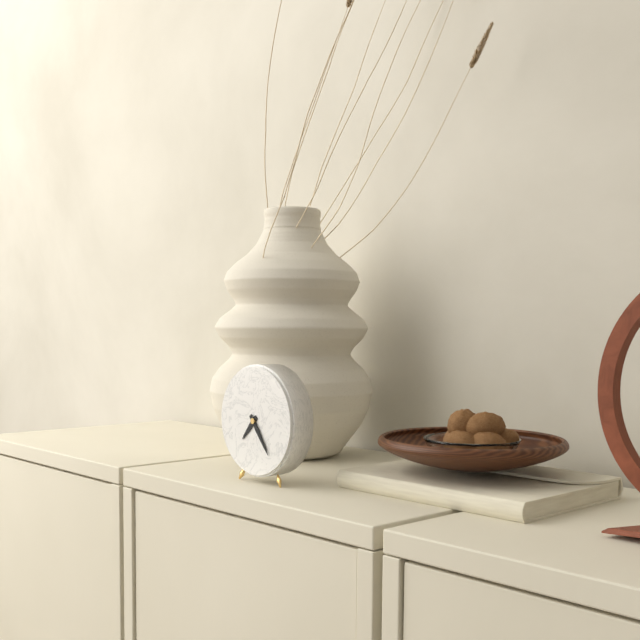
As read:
{"hour": 7, "minute": 24}
